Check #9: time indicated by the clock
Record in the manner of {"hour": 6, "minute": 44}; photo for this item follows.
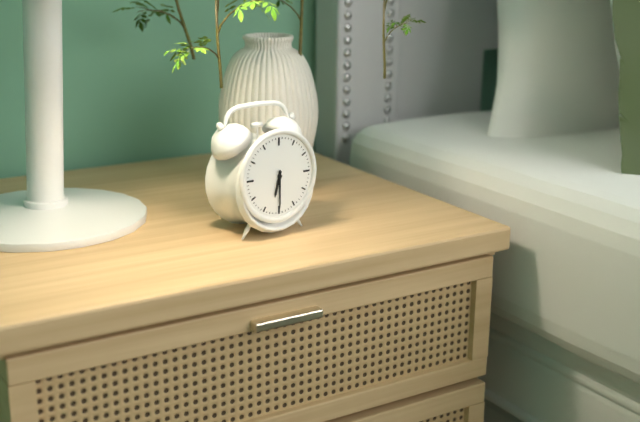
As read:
{"hour": 6, "minute": 30}
